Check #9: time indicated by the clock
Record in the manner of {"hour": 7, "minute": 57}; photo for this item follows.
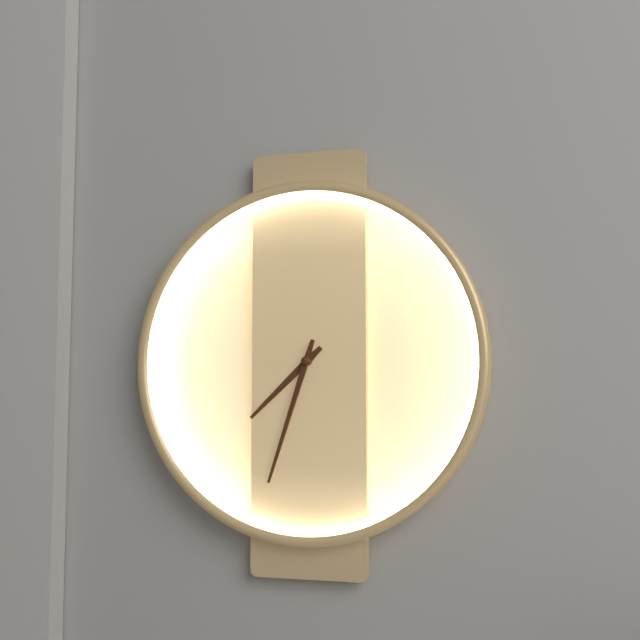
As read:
{"hour": 7, "minute": 33}
